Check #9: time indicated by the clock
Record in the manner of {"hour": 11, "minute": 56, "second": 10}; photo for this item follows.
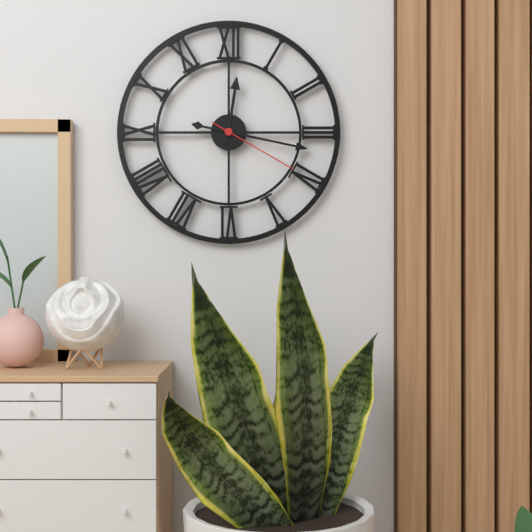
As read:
{"hour": 12, "minute": 17, "second": 20}
